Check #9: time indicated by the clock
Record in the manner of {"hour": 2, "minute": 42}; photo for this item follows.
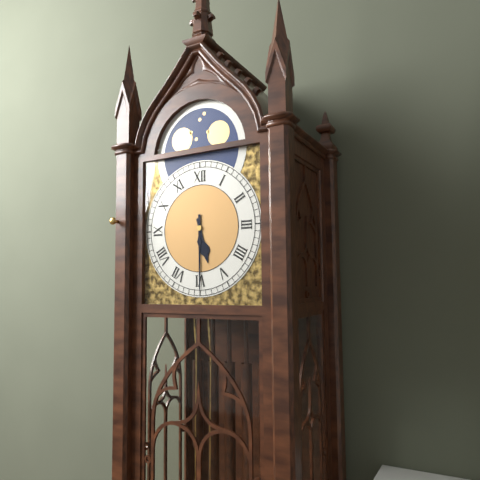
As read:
{"hour": 5, "minute": 30}
